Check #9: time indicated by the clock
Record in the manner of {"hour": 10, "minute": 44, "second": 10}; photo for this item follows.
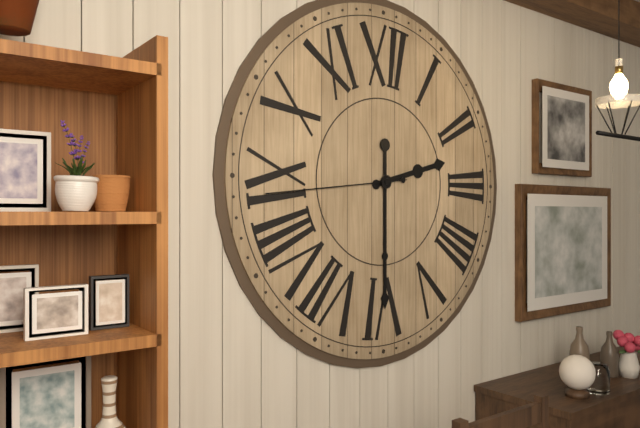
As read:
{"hour": 2, "minute": 30, "second": 44}
